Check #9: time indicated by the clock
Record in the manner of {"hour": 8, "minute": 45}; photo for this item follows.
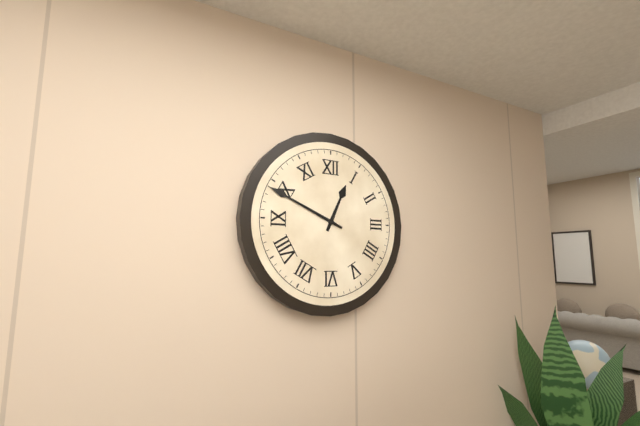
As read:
{"hour": 12, "minute": 49}
